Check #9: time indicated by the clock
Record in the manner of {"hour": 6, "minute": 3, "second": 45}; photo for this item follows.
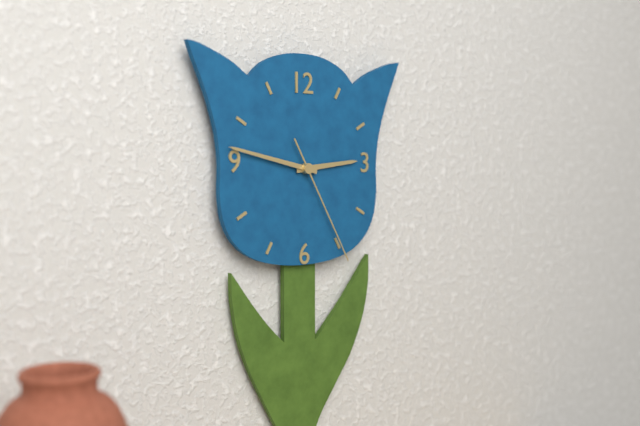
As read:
{"hour": 2, "minute": 47, "second": 25}
